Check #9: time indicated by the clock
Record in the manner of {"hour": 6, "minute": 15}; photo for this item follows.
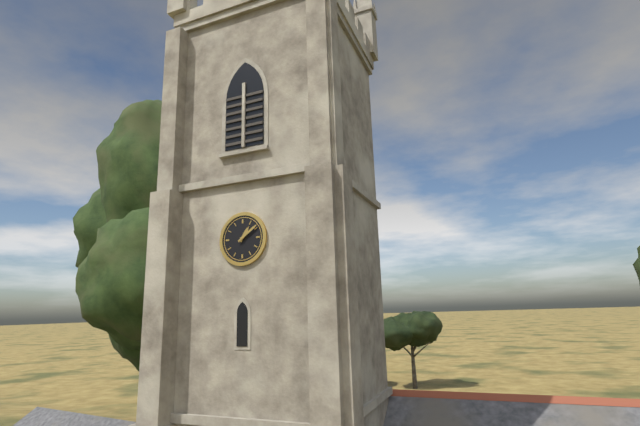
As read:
{"hour": 1, "minute": 9}
